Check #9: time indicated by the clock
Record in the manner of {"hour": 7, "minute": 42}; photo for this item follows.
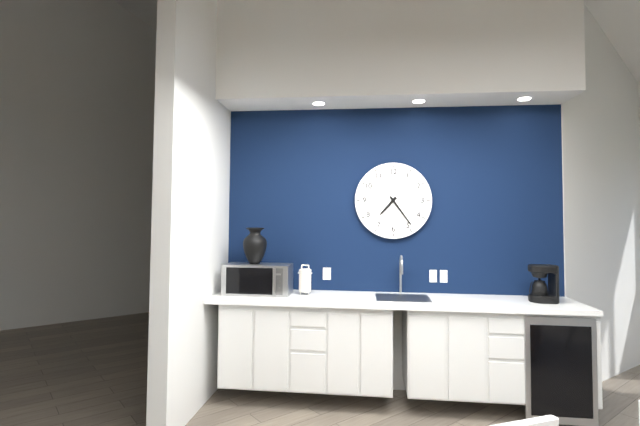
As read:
{"hour": 7, "minute": 24}
